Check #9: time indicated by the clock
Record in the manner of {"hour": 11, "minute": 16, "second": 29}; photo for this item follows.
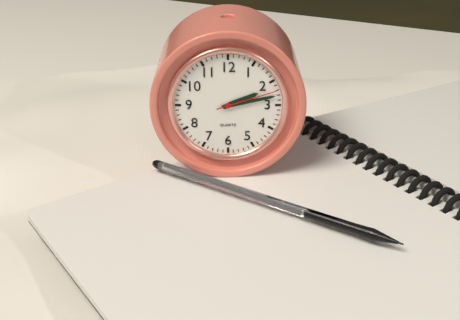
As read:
{"hour": 2, "minute": 13, "second": 12}
